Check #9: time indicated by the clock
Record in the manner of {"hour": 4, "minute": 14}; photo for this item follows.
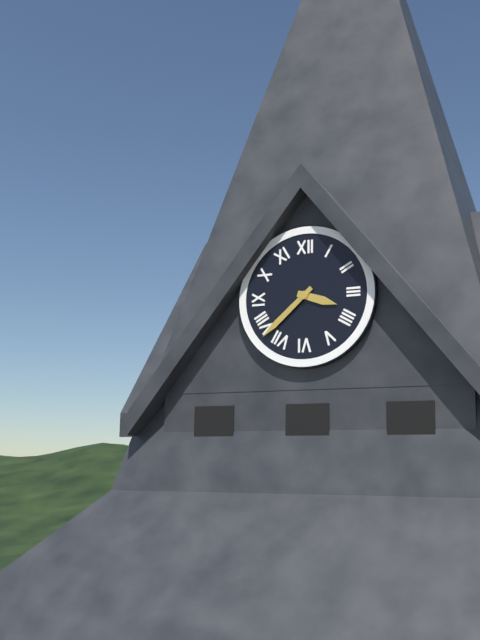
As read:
{"hour": 3, "minute": 38}
